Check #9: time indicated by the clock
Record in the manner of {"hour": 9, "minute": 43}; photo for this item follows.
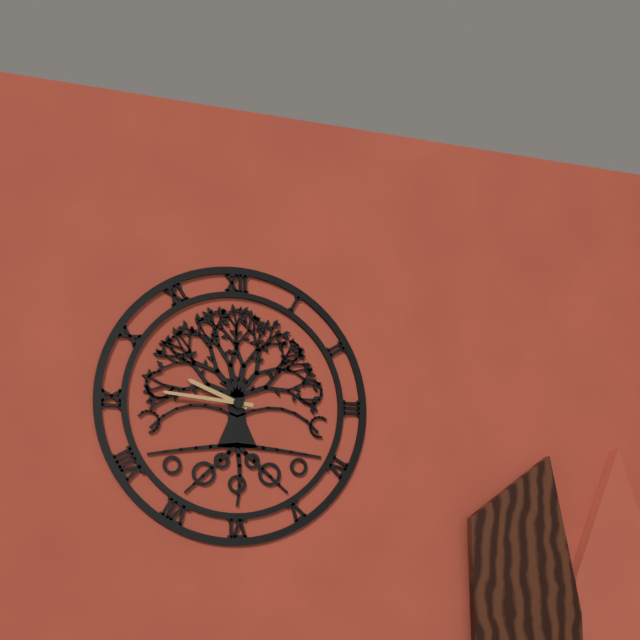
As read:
{"hour": 9, "minute": 46}
